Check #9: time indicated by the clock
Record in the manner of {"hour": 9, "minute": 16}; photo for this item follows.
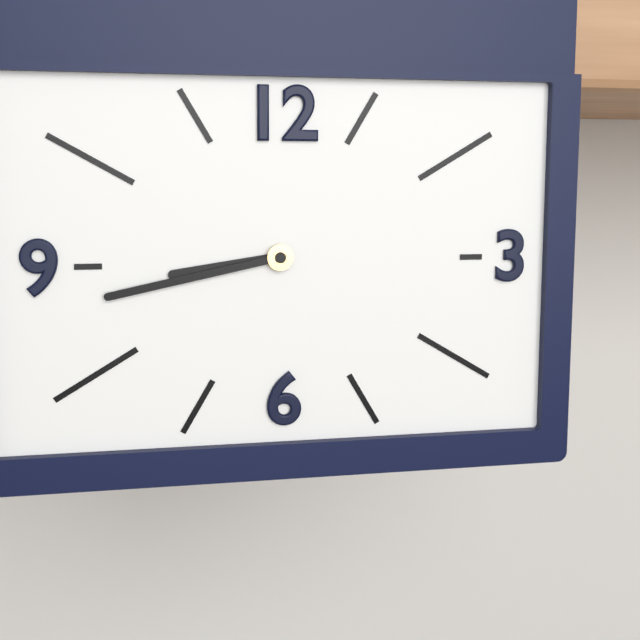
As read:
{"hour": 8, "minute": 43}
